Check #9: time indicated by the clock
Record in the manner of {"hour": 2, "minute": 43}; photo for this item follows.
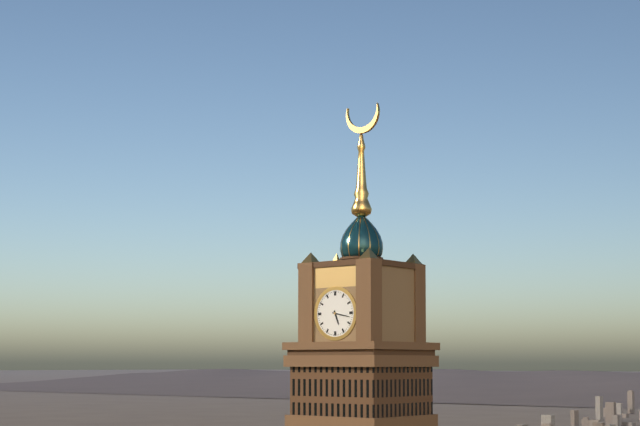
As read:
{"hour": 5, "minute": 17}
